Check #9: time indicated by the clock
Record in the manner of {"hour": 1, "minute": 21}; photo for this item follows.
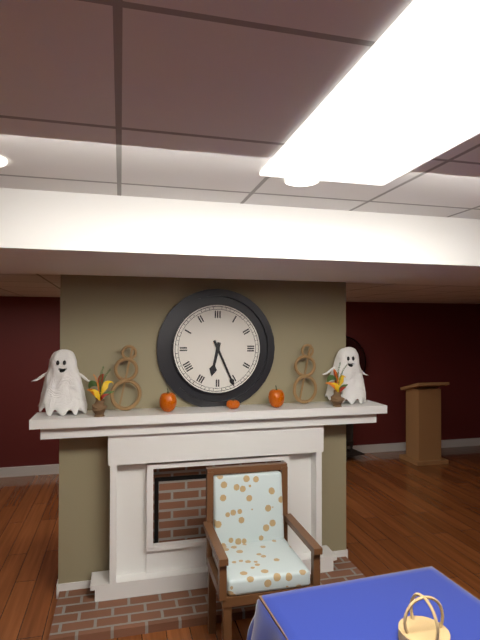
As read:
{"hour": 6, "minute": 26}
